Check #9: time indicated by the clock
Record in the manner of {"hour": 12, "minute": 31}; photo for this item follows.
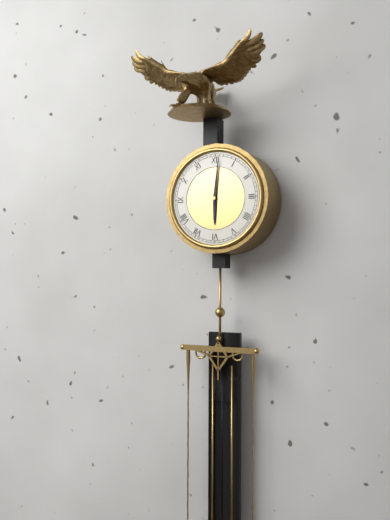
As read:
{"hour": 6, "minute": 1}
